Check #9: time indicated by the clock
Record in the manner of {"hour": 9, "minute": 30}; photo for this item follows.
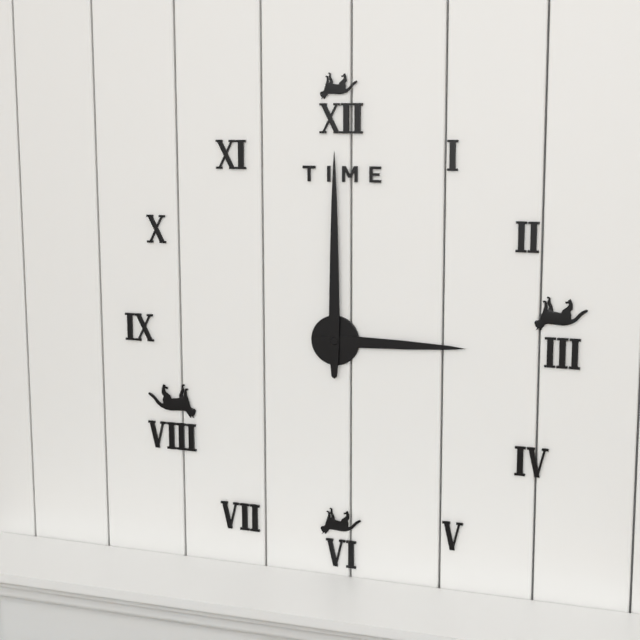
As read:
{"hour": 3, "minute": 0}
